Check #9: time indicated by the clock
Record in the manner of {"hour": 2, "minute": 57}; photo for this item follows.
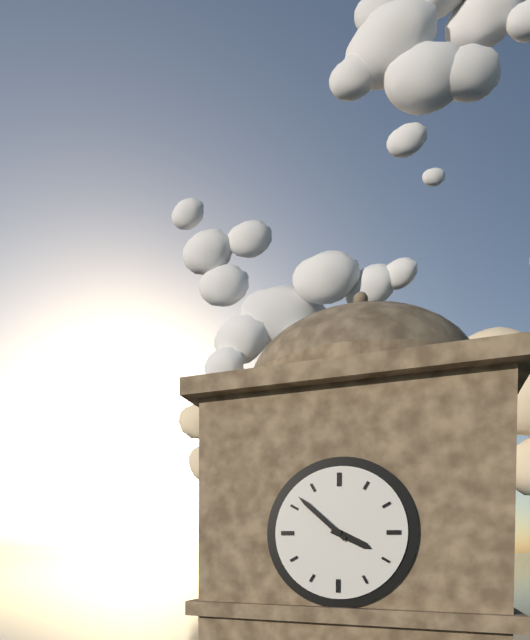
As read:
{"hour": 3, "minute": 52}
